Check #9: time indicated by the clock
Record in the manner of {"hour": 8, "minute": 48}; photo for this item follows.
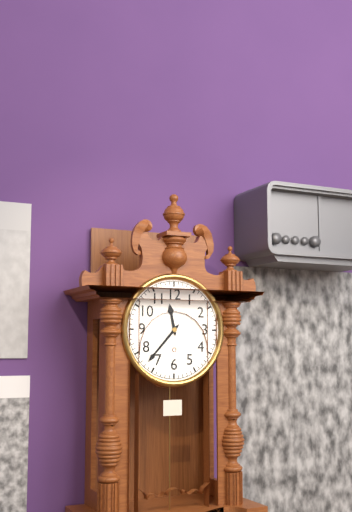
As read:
{"hour": 11, "minute": 37}
